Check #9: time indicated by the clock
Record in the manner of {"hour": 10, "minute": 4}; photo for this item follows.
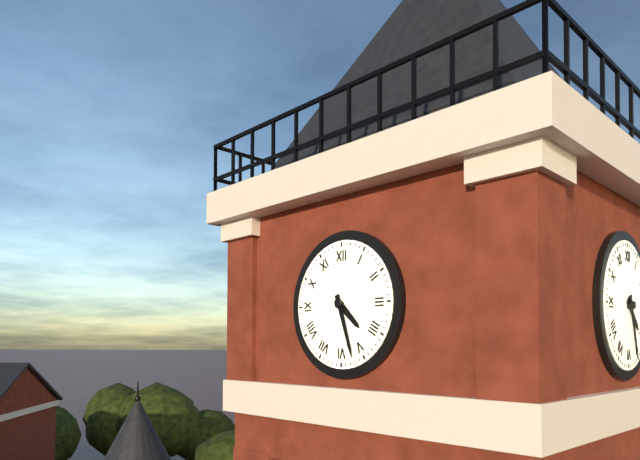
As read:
{"hour": 4, "minute": 27}
